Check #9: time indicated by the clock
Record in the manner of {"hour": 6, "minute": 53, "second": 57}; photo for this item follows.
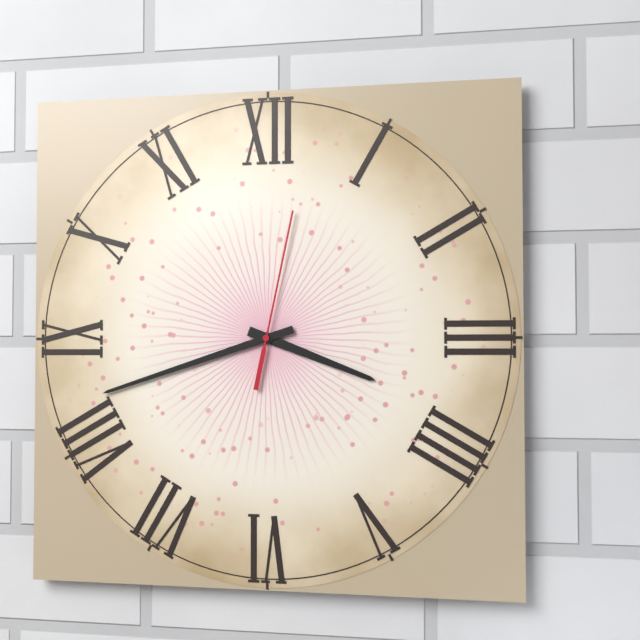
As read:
{"hour": 3, "minute": 42, "second": 2}
